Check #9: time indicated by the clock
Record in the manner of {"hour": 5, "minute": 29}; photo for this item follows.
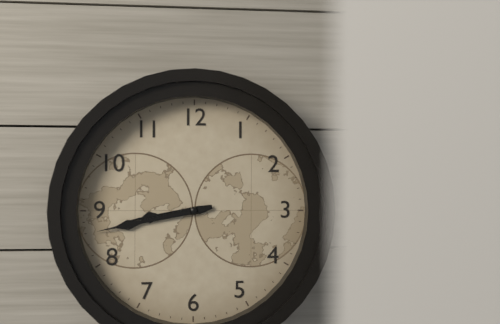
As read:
{"hour": 8, "minute": 43}
